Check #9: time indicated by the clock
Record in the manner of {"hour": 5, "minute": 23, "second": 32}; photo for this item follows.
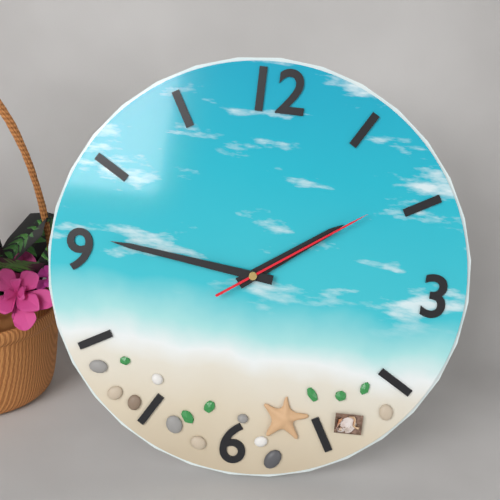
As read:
{"hour": 1, "minute": 46, "second": 9}
